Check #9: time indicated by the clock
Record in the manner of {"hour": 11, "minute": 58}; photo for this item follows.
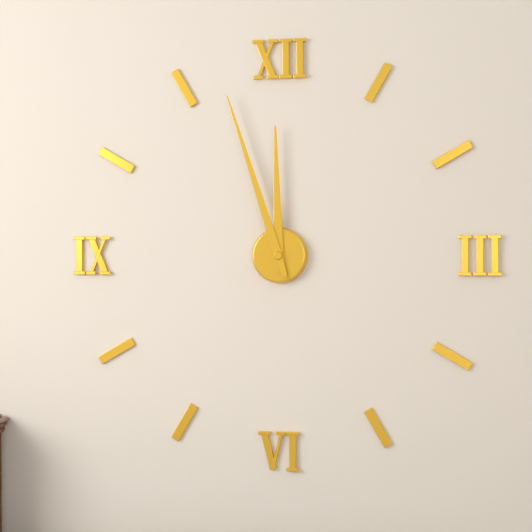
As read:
{"hour": 11, "minute": 57}
